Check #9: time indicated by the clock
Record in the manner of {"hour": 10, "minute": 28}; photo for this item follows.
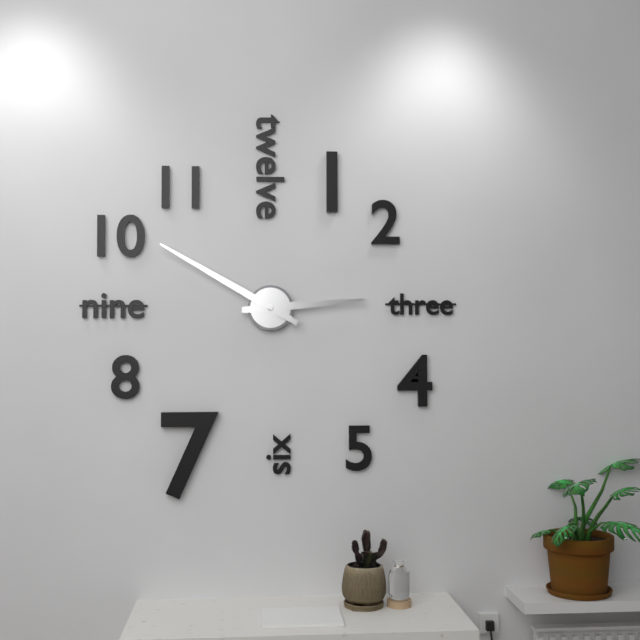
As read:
{"hour": 2, "minute": 50}
